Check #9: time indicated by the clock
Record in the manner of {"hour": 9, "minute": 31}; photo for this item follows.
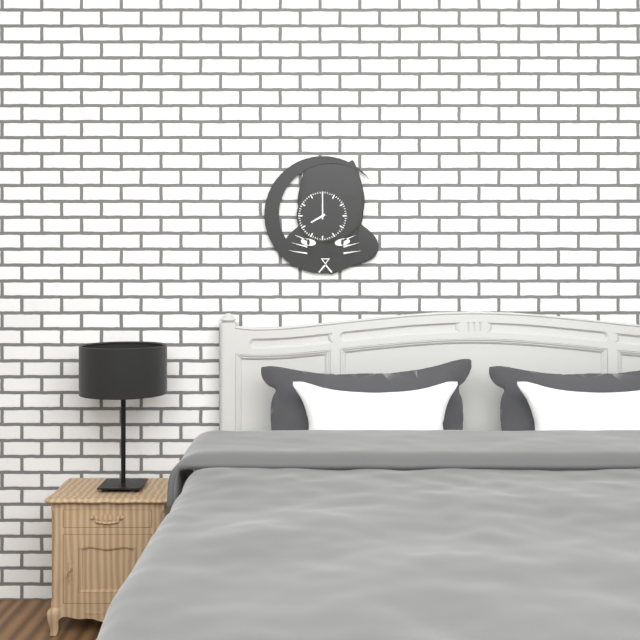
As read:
{"hour": 8, "minute": 0}
